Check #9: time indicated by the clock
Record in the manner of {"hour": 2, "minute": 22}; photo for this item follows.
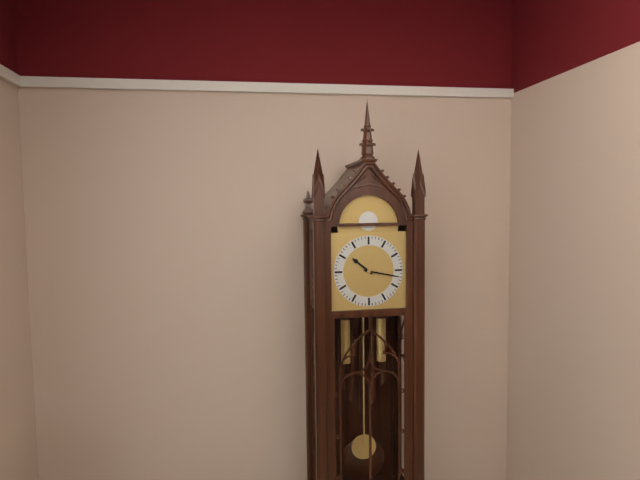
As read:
{"hour": 10, "minute": 17}
